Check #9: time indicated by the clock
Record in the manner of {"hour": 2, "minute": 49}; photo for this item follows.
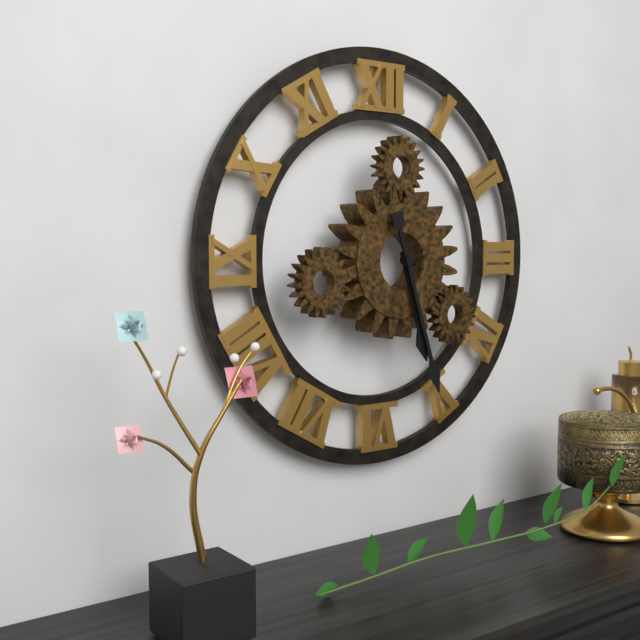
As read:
{"hour": 5, "minute": 27}
